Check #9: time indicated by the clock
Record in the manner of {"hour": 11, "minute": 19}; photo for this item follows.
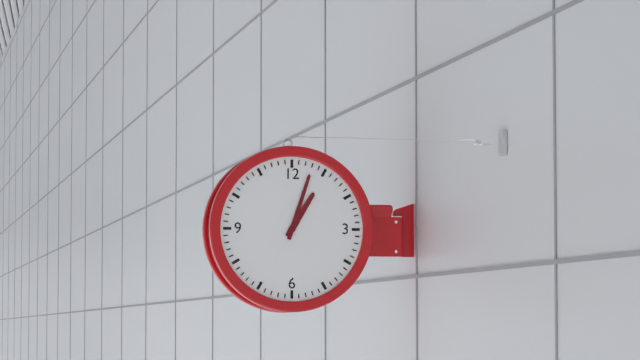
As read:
{"hour": 1, "minute": 3}
